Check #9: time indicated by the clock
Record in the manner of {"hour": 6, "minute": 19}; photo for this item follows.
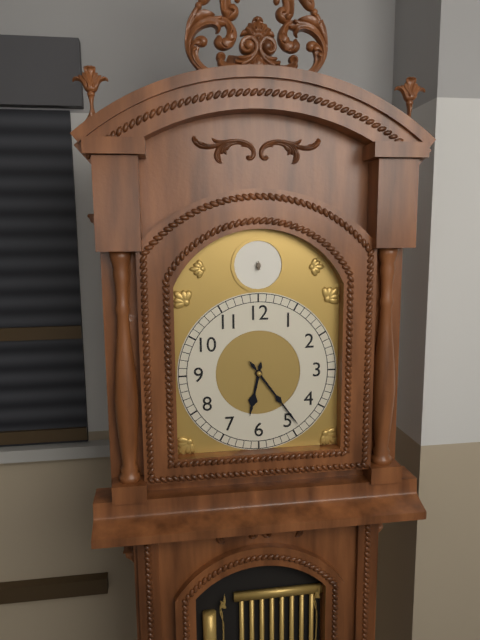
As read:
{"hour": 6, "minute": 24}
